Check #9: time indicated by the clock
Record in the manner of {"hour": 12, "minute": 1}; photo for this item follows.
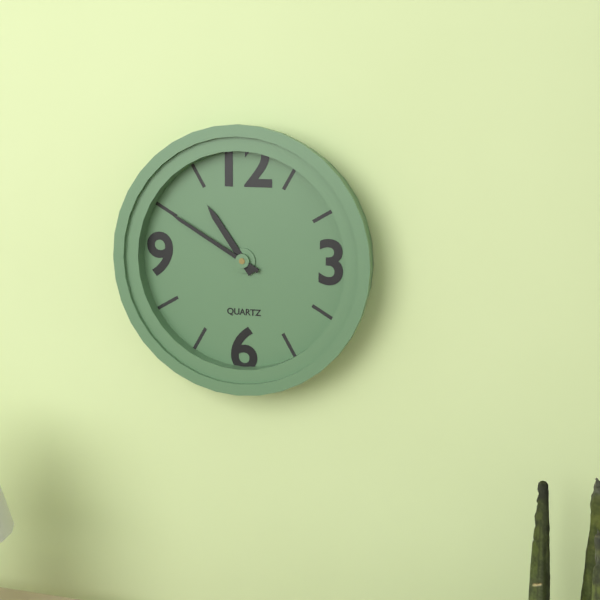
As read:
{"hour": 10, "minute": 50}
